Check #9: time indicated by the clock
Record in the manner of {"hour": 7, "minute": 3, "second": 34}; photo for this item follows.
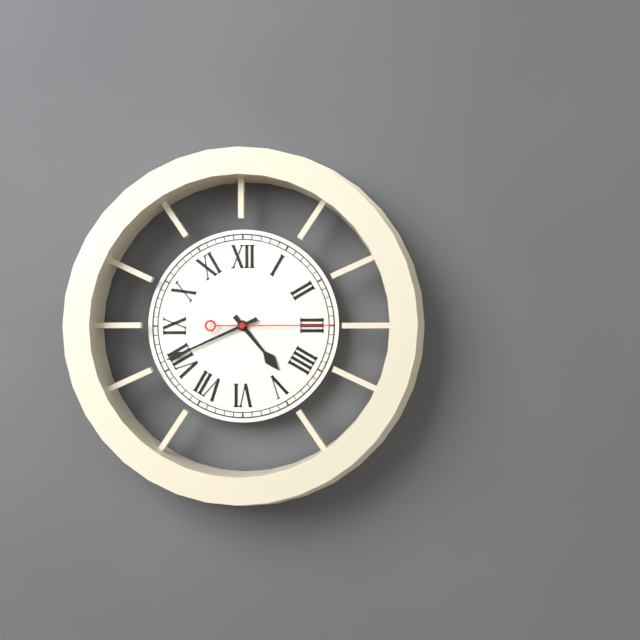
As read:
{"hour": 4, "minute": 41, "second": 15}
